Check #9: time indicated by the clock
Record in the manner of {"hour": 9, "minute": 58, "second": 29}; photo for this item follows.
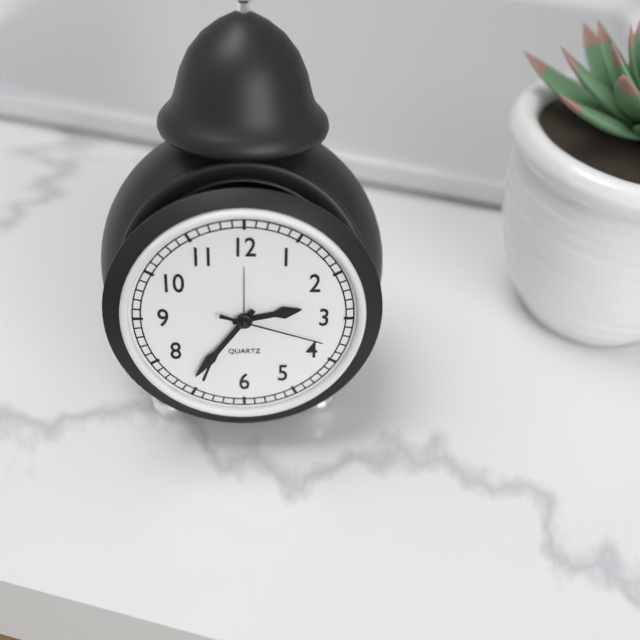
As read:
{"hour": 2, "minute": 36, "second": 18}
